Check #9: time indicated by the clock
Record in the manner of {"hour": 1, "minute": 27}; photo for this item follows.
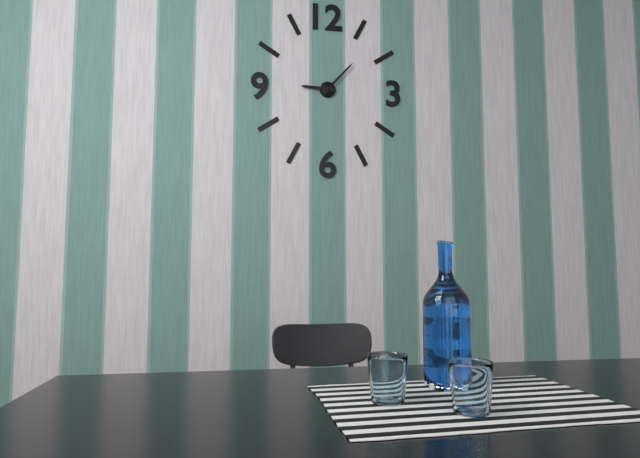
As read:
{"hour": 9, "minute": 7}
